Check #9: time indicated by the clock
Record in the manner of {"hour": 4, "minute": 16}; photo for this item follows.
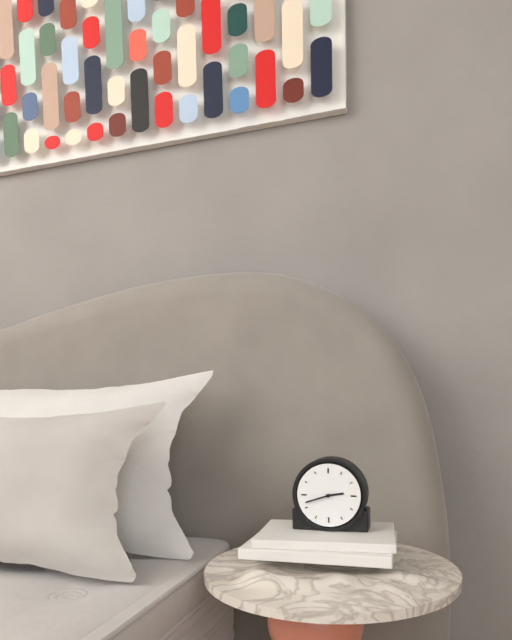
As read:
{"hour": 2, "minute": 42}
